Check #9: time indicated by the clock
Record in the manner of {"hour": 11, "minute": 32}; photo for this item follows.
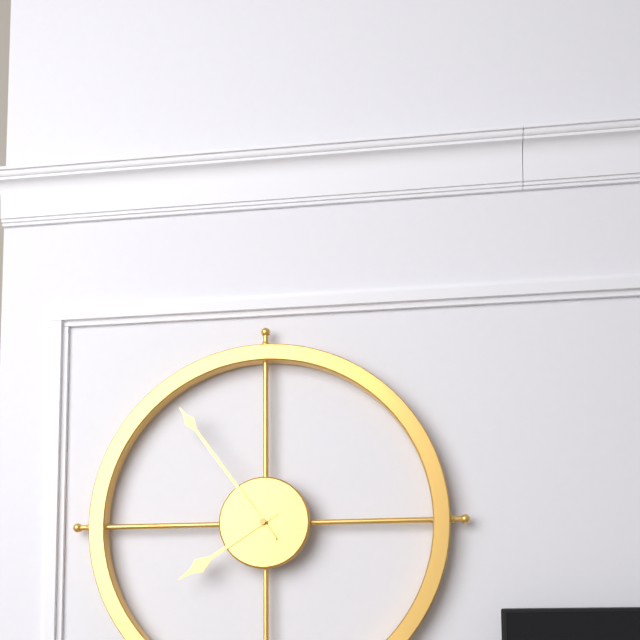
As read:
{"hour": 7, "minute": 54}
